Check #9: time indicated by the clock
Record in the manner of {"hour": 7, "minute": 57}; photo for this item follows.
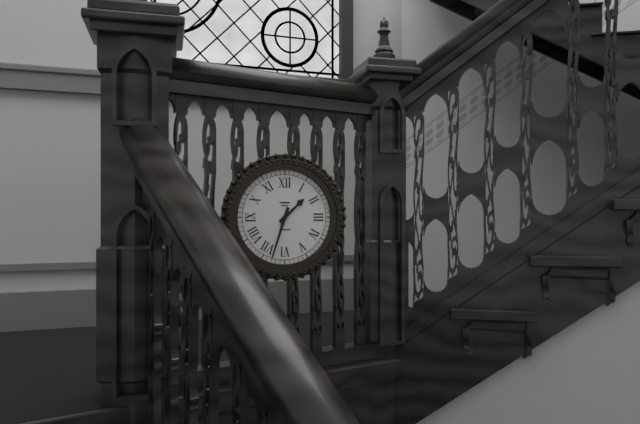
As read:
{"hour": 1, "minute": 33}
